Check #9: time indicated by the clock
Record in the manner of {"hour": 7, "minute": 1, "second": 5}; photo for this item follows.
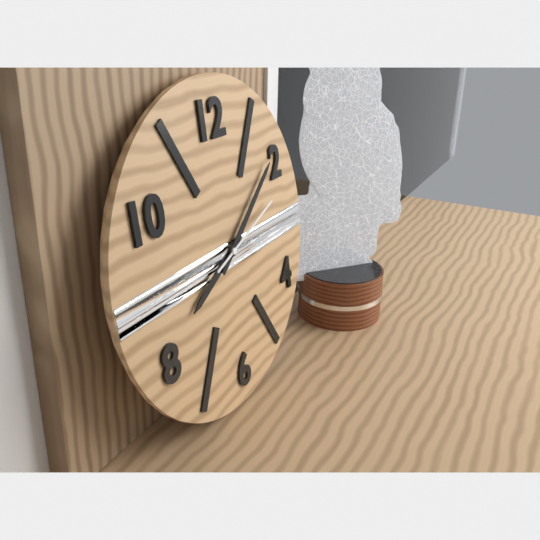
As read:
{"hour": 8, "minute": 9, "second": 12}
